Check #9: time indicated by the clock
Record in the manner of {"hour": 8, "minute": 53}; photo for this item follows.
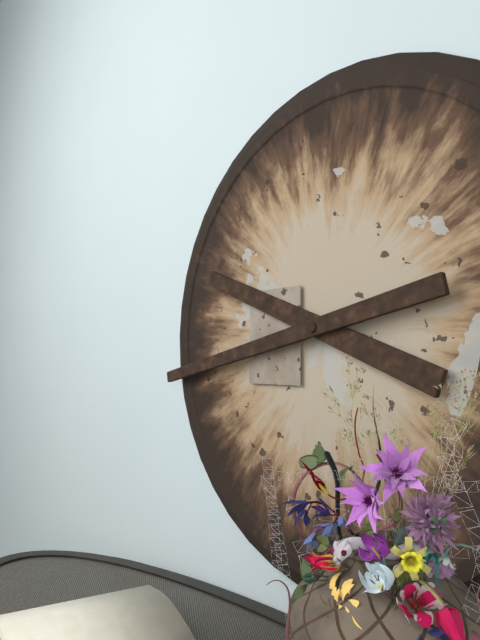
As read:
{"hour": 9, "minute": 43}
